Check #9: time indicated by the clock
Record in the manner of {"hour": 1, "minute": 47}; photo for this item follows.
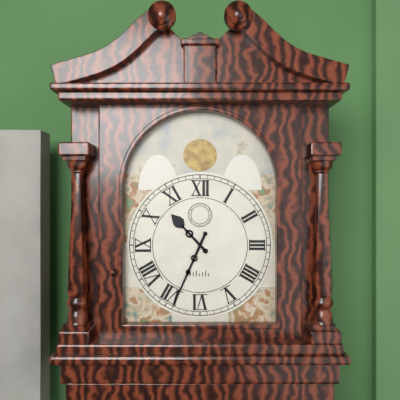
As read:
{"hour": 10, "minute": 34}
